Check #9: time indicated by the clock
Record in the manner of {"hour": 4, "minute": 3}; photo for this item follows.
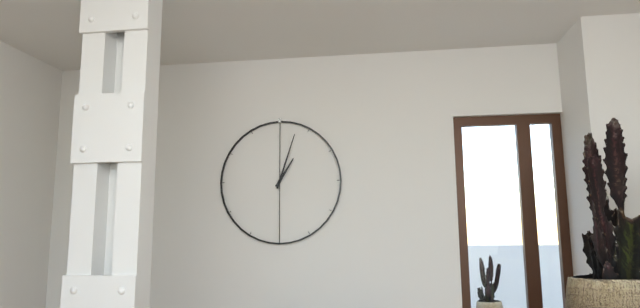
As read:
{"hour": 1, "minute": 3}
